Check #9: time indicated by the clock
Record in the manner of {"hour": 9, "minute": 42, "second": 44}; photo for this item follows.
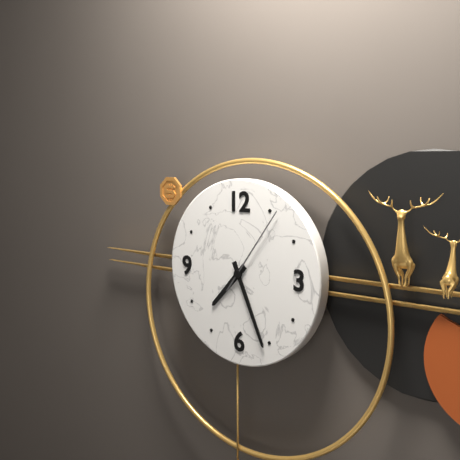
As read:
{"hour": 7, "minute": 26, "second": 6}
